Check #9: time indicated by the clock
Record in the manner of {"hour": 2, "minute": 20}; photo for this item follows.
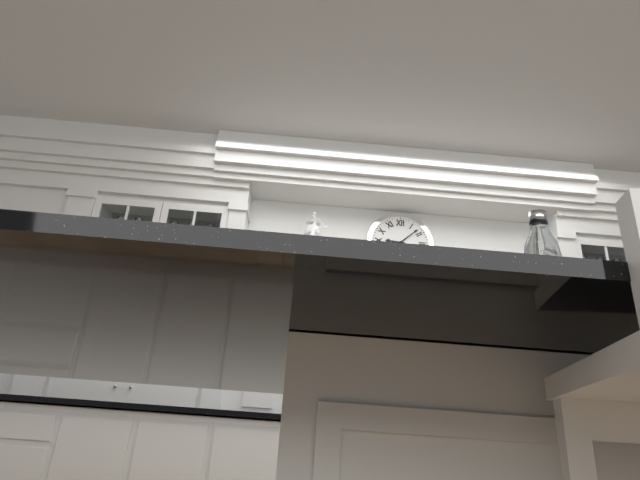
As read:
{"hour": 9, "minute": 8}
